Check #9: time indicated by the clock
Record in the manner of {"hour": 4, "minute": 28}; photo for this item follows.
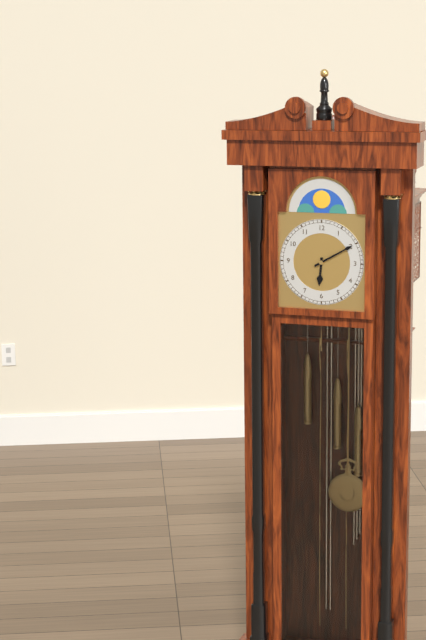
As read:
{"hour": 6, "minute": 10}
